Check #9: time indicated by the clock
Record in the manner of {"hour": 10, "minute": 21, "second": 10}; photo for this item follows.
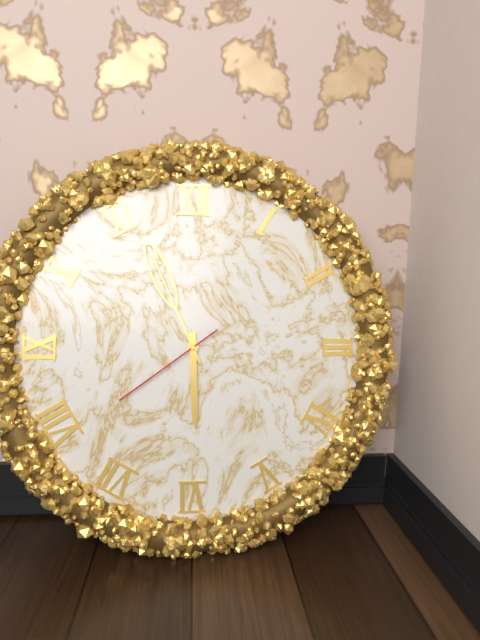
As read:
{"hour": 5, "minute": 56, "second": 39}
